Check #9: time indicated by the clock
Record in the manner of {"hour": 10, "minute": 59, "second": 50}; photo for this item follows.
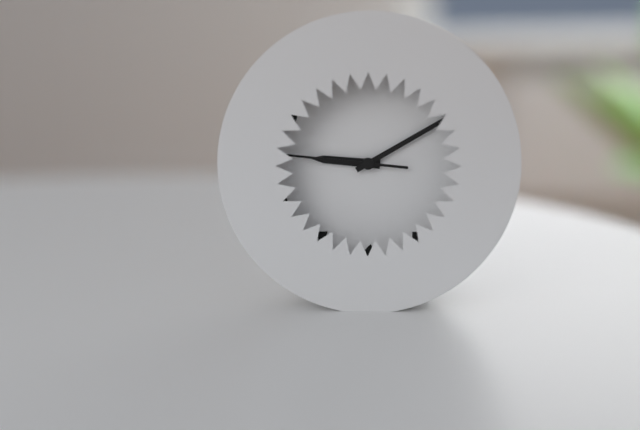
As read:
{"hour": 9, "minute": 10, "second": 46}
